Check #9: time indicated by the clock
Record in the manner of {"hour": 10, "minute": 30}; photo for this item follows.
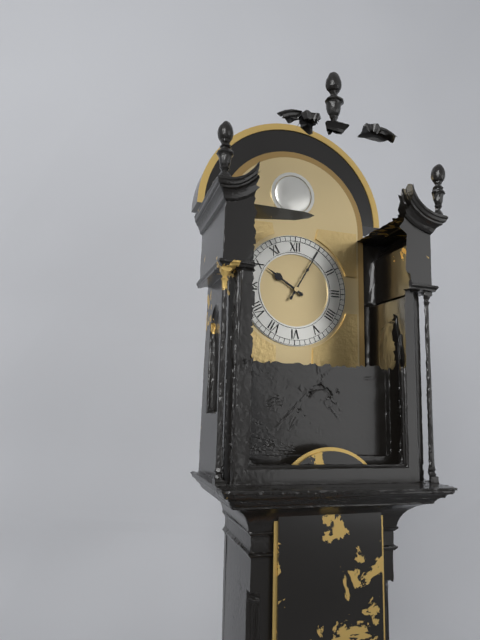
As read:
{"hour": 10, "minute": 5}
